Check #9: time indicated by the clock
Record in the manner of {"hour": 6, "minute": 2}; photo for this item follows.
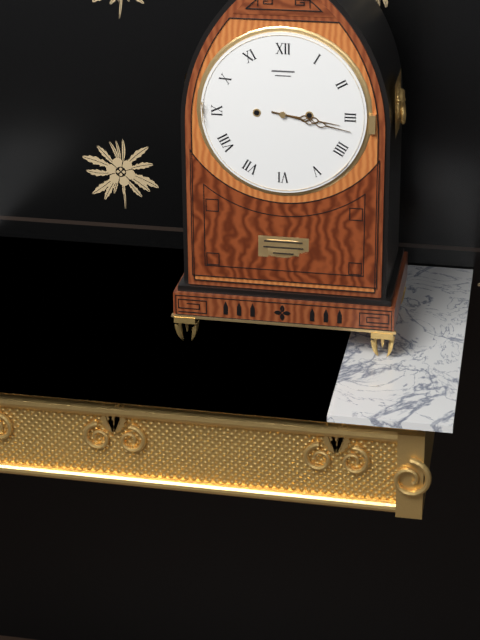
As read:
{"hour": 3, "minute": 17}
